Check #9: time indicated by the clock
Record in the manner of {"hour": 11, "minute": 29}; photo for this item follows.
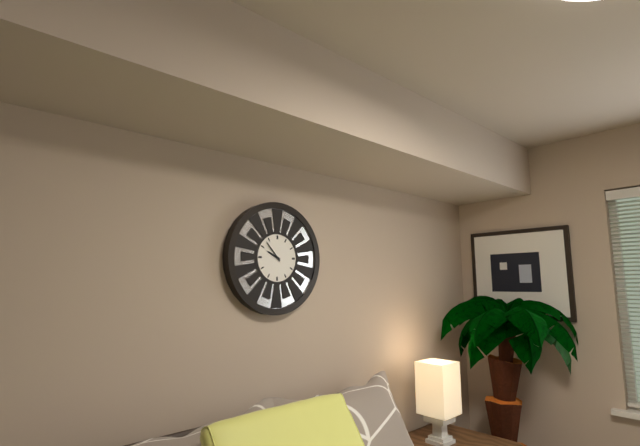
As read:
{"hour": 9, "minute": 53}
